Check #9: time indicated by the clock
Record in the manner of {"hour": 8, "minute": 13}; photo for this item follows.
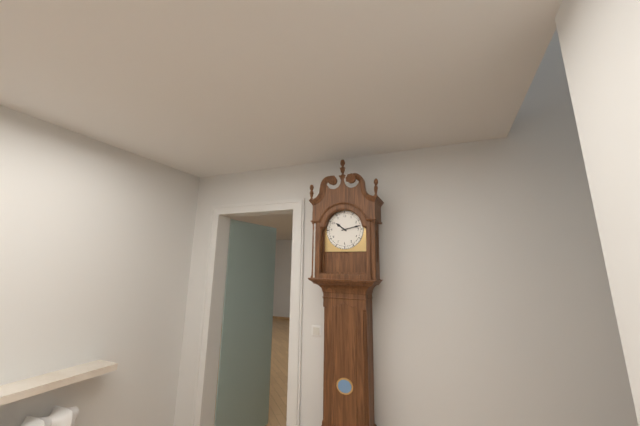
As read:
{"hour": 10, "minute": 13}
